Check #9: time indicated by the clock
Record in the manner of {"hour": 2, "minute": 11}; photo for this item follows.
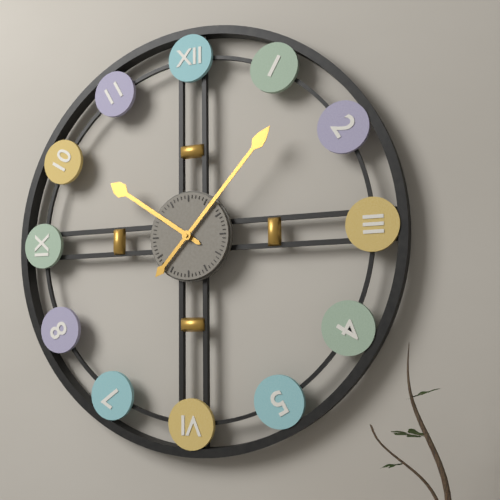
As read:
{"hour": 10, "minute": 7}
